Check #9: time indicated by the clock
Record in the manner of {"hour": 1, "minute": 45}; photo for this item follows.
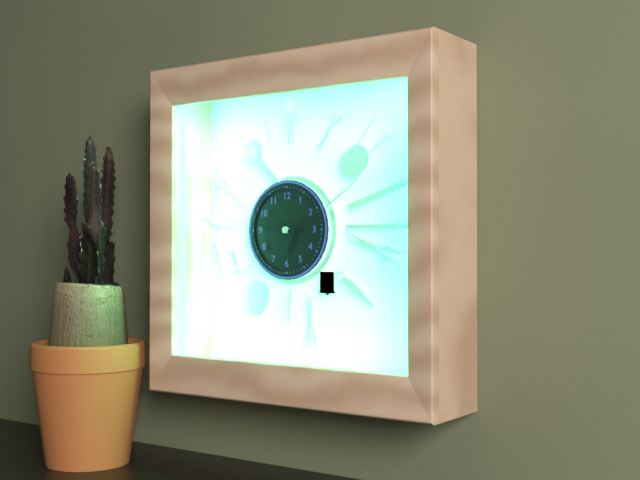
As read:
{"hour": 6, "minute": 47}
